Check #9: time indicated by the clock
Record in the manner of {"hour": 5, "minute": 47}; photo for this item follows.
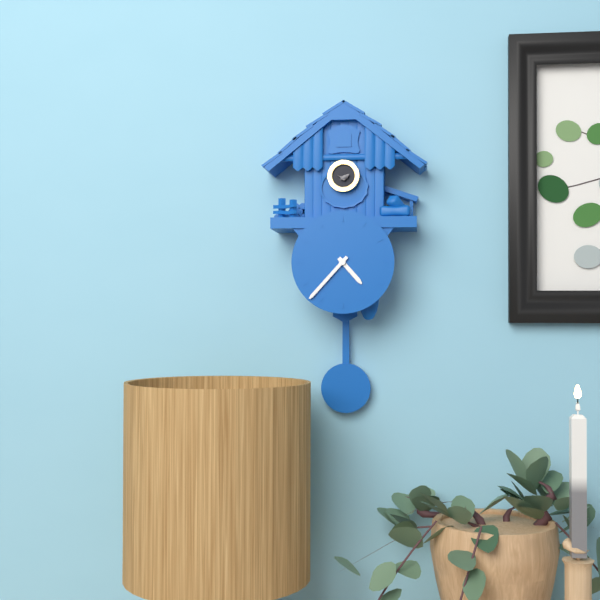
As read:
{"hour": 4, "minute": 37}
